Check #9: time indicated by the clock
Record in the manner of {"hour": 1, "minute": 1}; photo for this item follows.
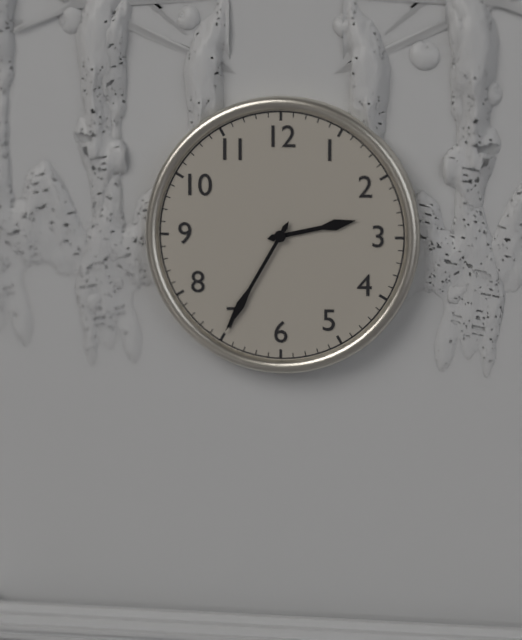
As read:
{"hour": 2, "minute": 35}
